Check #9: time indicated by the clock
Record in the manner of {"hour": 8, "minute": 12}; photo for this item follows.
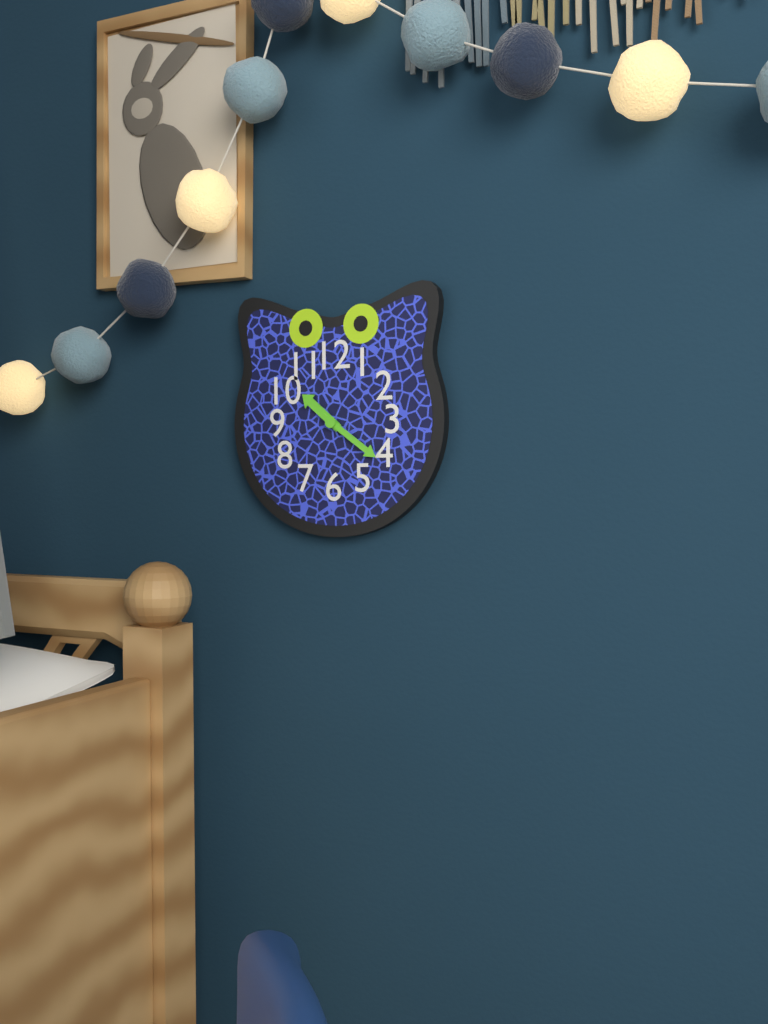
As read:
{"hour": 10, "minute": 21}
